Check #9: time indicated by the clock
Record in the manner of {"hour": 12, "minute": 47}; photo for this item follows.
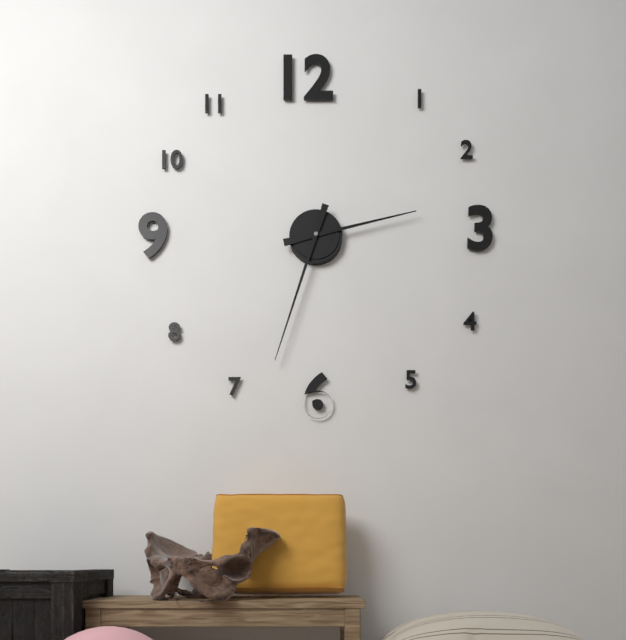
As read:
{"hour": 2, "minute": 33}
